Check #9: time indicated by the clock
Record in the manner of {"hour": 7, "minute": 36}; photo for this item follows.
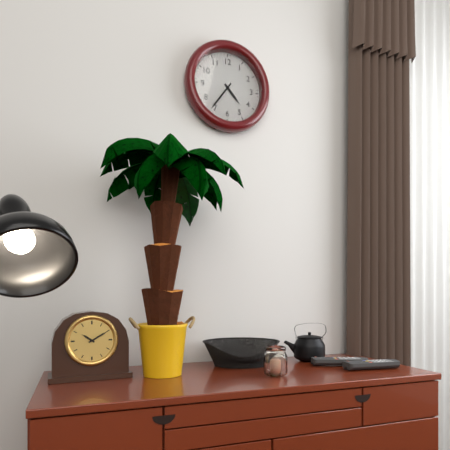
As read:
{"hour": 4, "minute": 36}
